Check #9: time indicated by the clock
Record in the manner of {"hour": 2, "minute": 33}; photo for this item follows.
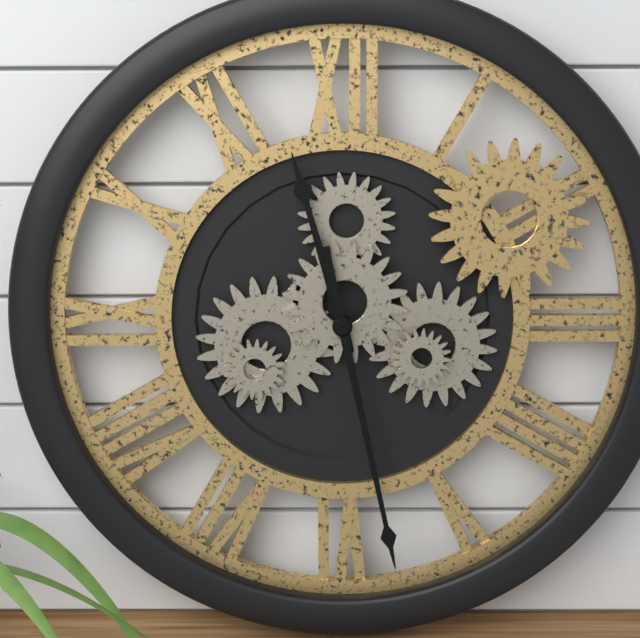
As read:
{"hour": 11, "minute": 28}
